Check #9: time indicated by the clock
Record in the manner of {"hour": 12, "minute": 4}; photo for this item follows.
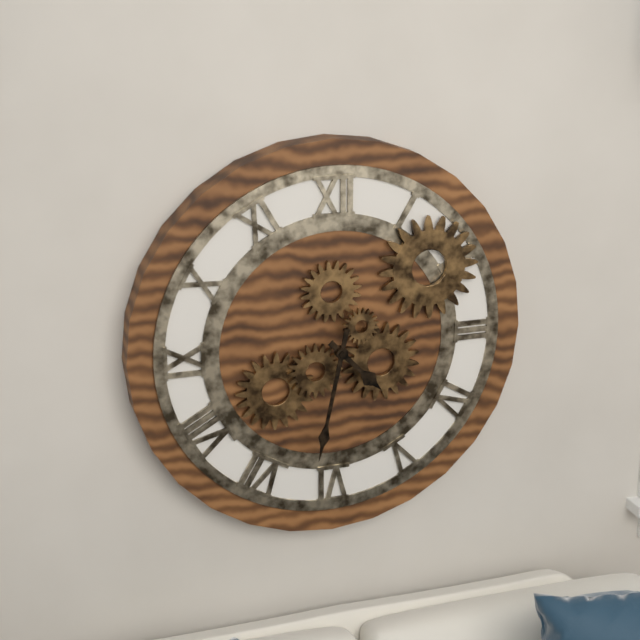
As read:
{"hour": 4, "minute": 32}
